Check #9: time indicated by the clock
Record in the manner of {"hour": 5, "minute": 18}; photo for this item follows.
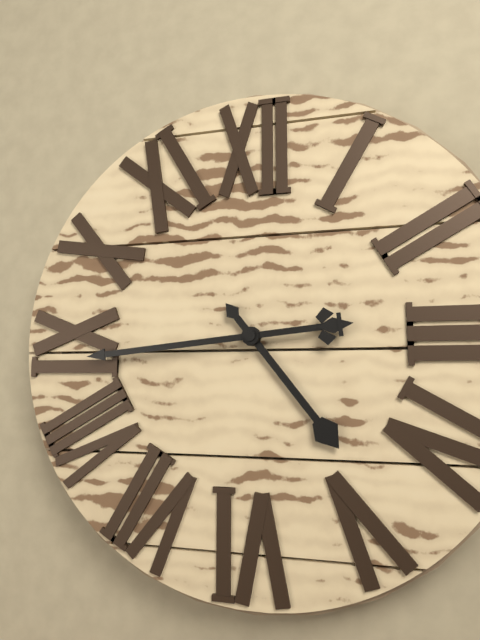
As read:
{"hour": 4, "minute": 44}
